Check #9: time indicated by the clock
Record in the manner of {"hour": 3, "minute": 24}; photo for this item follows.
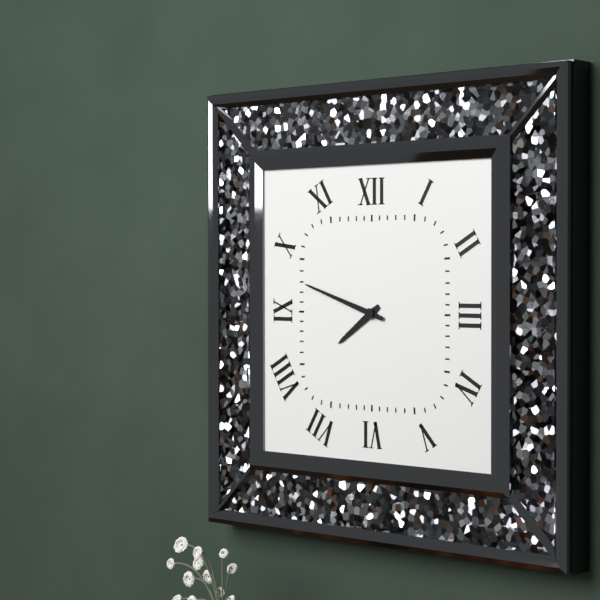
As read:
{"hour": 7, "minute": 48}
